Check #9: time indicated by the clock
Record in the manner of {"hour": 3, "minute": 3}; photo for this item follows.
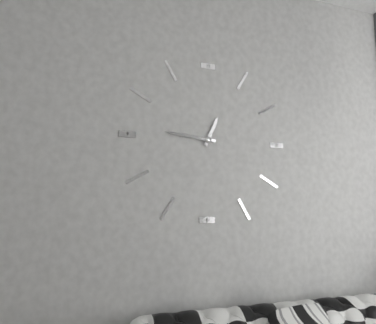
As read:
{"hour": 12, "minute": 46}
